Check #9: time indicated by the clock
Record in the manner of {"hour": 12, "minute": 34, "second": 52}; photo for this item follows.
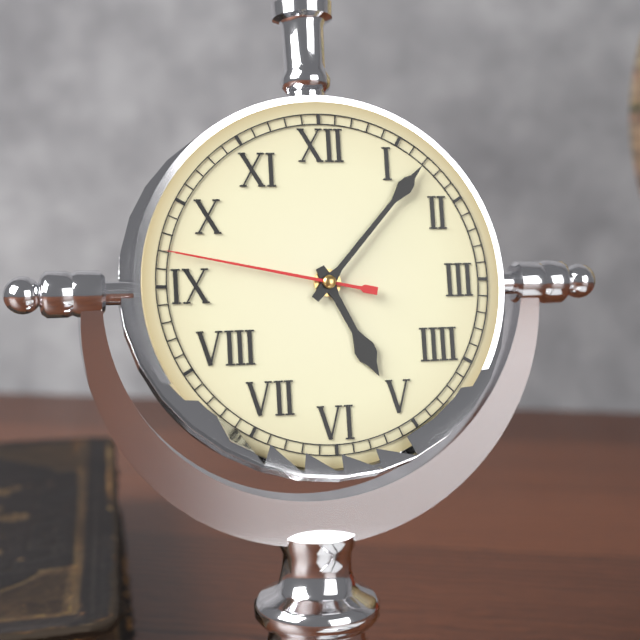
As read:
{"hour": 5, "minute": 7, "second": 47}
